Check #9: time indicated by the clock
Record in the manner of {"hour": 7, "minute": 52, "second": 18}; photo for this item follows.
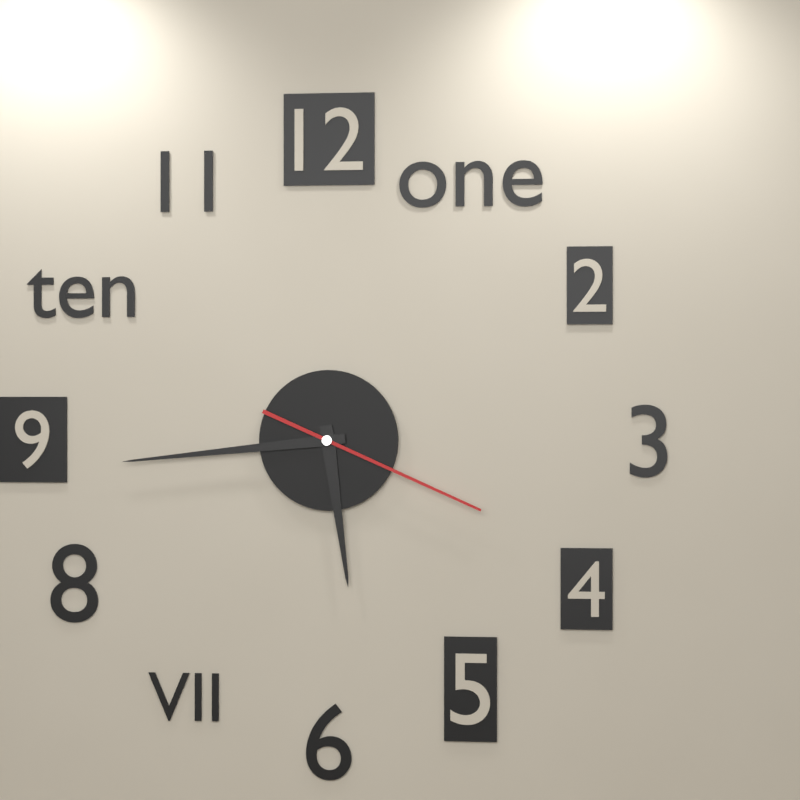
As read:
{"hour": 5, "minute": 44, "second": 19}
